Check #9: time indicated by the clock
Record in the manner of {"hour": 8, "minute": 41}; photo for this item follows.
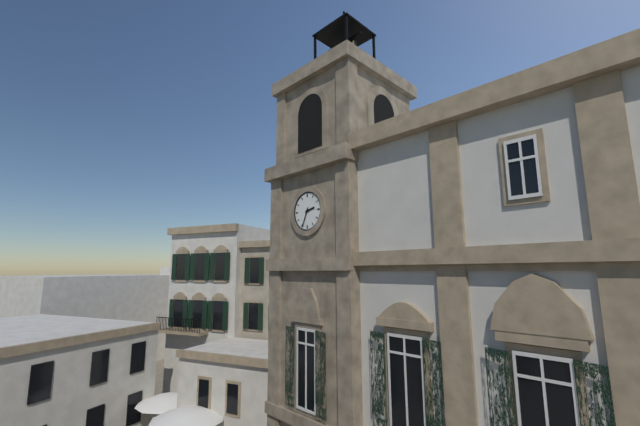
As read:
{"hour": 2, "minute": 34}
